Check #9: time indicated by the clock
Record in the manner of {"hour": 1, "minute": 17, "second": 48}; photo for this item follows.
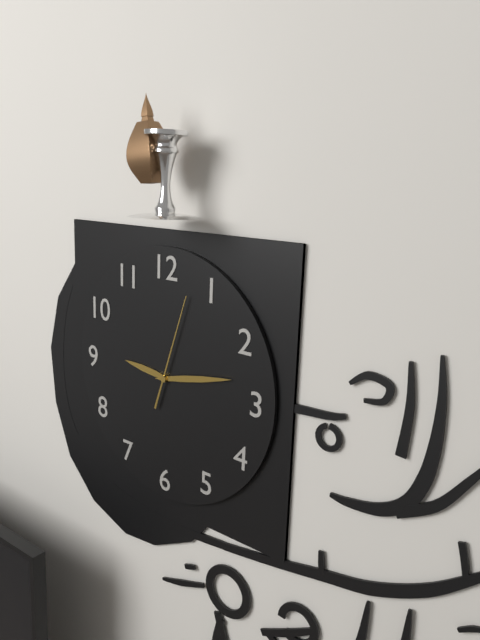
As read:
{"hour": 9, "minute": 13, "second": 3}
